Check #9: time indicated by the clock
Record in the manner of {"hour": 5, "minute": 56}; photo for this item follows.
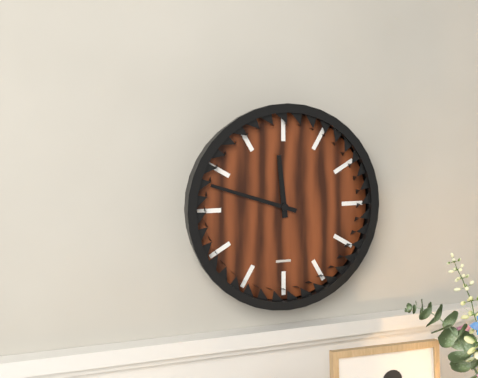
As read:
{"hour": 11, "minute": 48}
